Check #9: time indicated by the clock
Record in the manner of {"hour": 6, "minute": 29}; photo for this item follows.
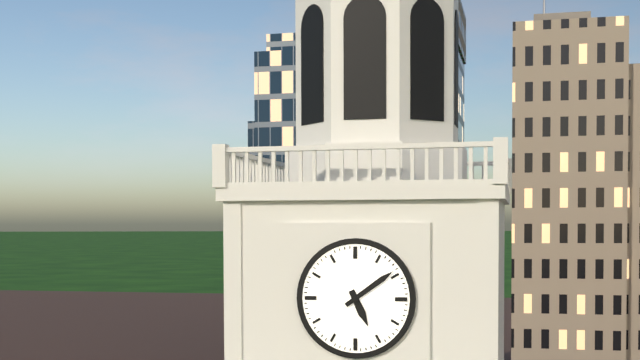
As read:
{"hour": 5, "minute": 9}
